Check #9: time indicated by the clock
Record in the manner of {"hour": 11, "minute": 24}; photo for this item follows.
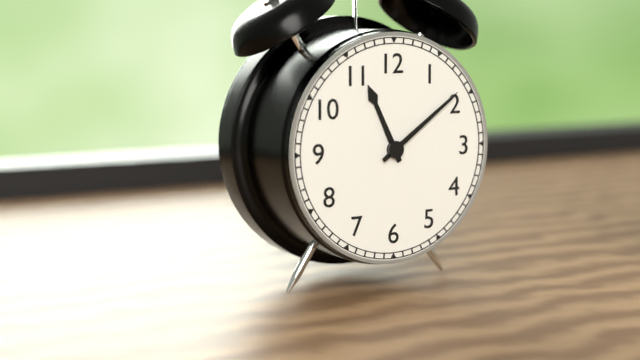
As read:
{"hour": 11, "minute": 9}
